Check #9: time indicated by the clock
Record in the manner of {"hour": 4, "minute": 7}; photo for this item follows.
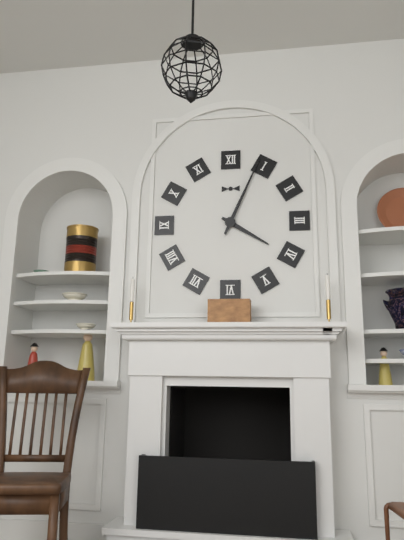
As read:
{"hour": 4, "minute": 4}
